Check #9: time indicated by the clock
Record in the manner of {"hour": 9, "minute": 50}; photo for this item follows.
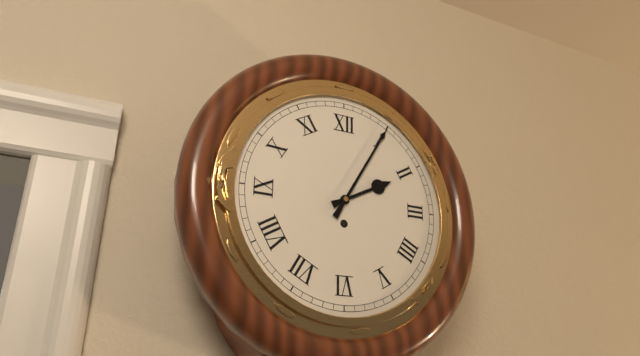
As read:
{"hour": 2, "minute": 5}
